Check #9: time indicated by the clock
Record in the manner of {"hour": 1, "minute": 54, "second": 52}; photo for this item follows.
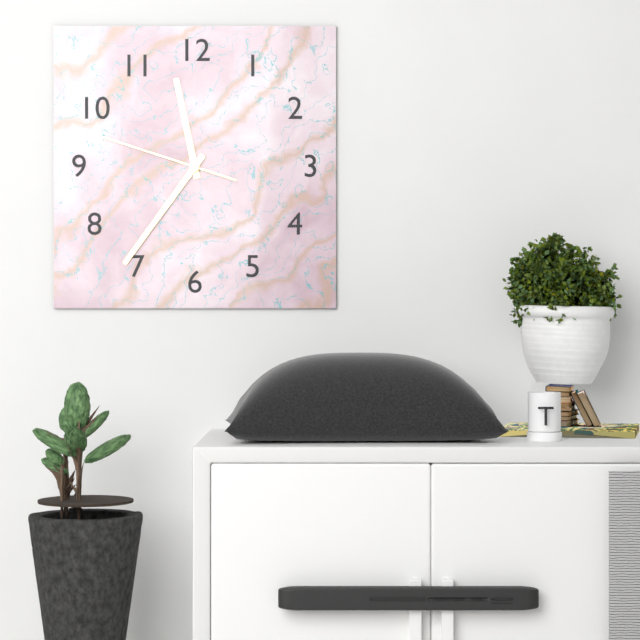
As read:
{"hour": 11, "minute": 36, "second": 48}
